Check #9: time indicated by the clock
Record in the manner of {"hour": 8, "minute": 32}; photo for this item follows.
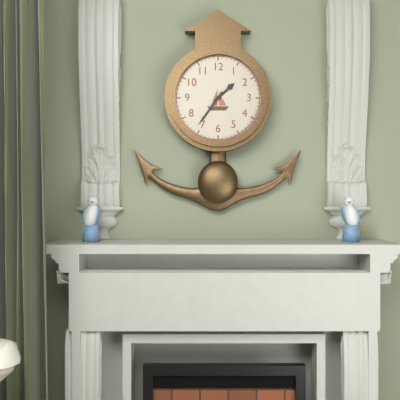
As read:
{"hour": 1, "minute": 36}
